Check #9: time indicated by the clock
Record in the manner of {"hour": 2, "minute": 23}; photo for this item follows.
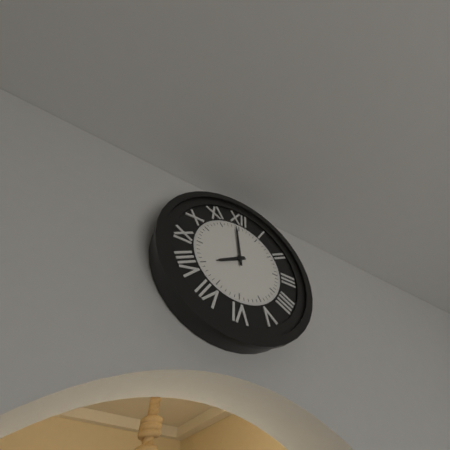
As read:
{"hour": 7, "minute": 59}
